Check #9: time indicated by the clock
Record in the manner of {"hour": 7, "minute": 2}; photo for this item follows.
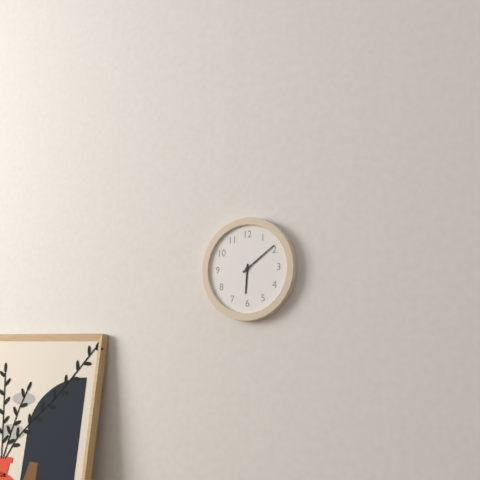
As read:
{"hour": 6, "minute": 9}
